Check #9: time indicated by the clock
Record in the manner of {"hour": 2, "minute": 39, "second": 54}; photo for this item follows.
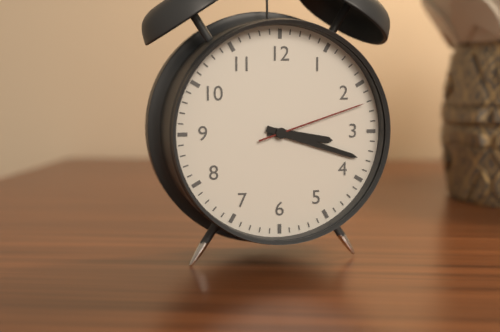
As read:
{"hour": 3, "minute": 18, "second": 12}
